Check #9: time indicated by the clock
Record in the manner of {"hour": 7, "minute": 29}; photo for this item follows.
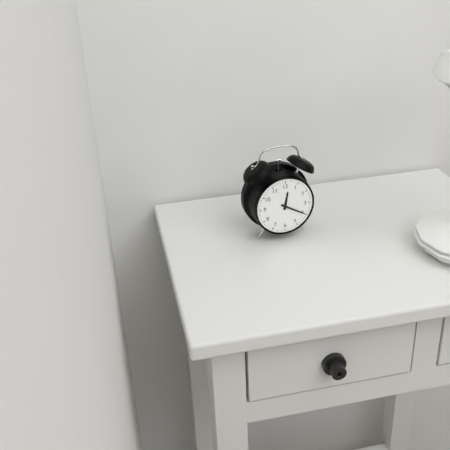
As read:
{"hour": 12, "minute": 20}
